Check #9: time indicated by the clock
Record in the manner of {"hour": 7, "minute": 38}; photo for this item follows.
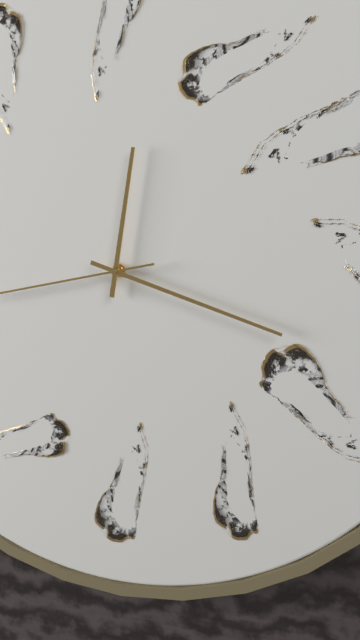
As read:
{"hour": 12, "minute": 18}
